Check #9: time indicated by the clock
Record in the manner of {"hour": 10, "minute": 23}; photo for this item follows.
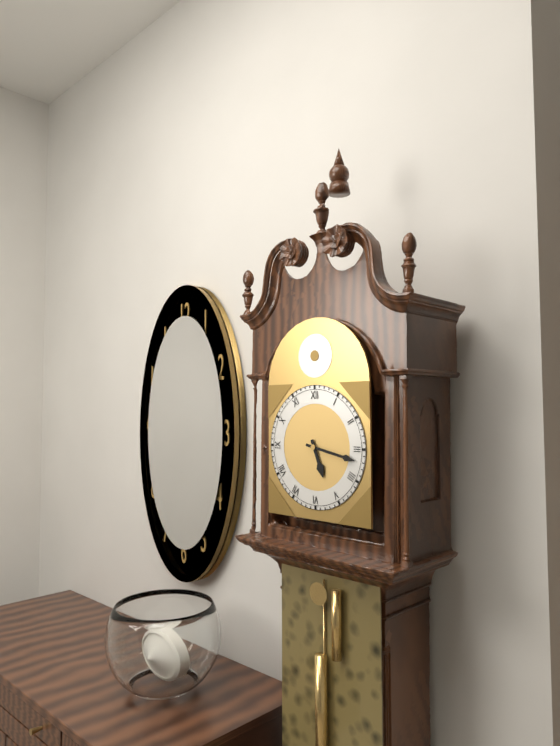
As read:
{"hour": 5, "minute": 17}
